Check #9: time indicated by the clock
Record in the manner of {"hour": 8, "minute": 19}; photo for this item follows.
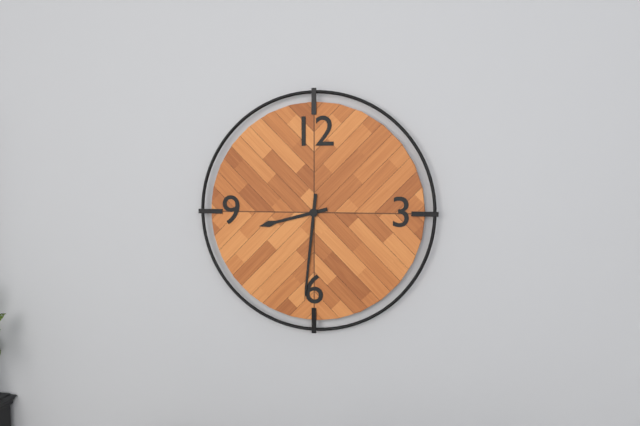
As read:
{"hour": 8, "minute": 31}
